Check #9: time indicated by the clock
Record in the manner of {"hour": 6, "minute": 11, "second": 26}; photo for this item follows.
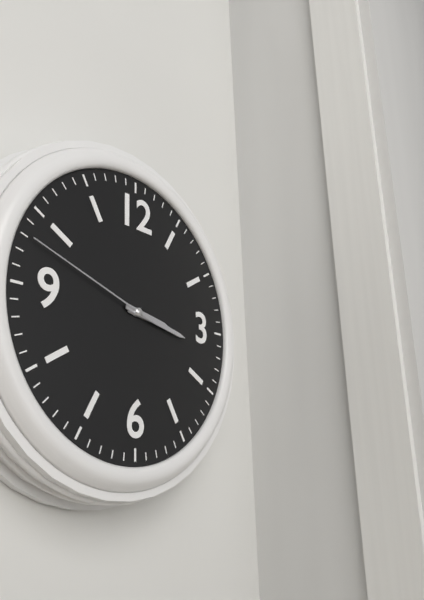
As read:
{"hour": 3, "minute": 17, "second": 48}
